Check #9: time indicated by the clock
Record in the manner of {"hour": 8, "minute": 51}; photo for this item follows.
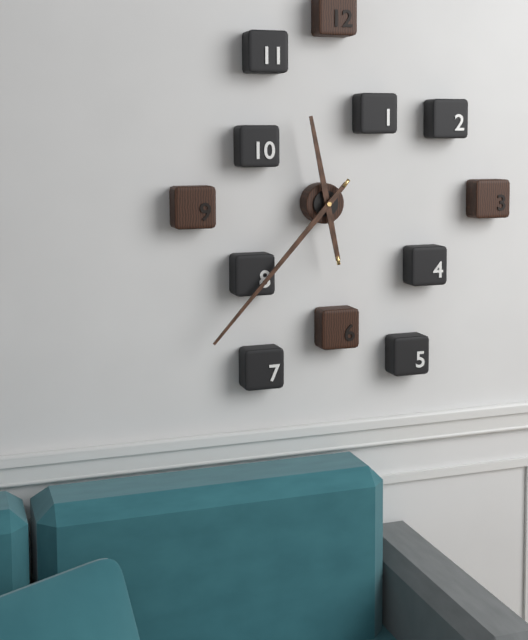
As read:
{"hour": 11, "minute": 37}
